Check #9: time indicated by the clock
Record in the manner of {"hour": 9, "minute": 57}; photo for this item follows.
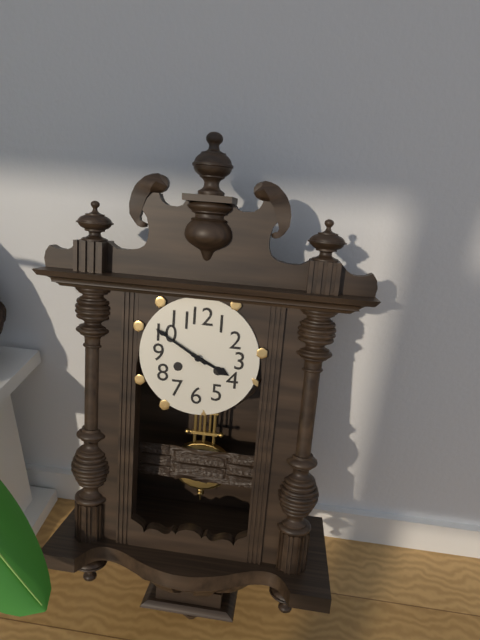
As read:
{"hour": 3, "minute": 50}
